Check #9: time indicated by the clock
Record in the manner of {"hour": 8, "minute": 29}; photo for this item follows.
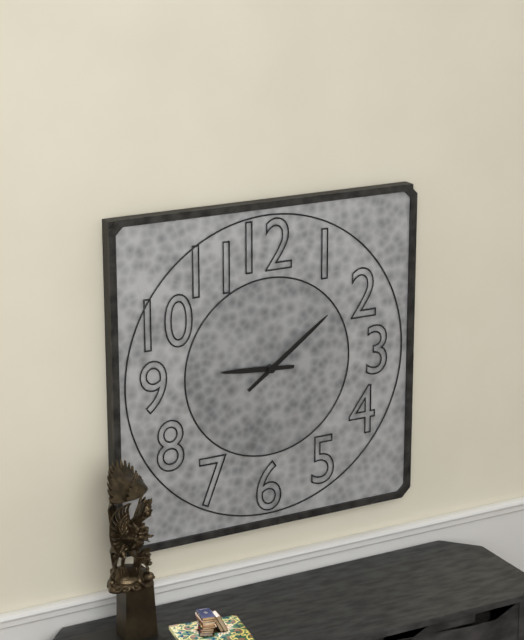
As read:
{"hour": 9, "minute": 9}
